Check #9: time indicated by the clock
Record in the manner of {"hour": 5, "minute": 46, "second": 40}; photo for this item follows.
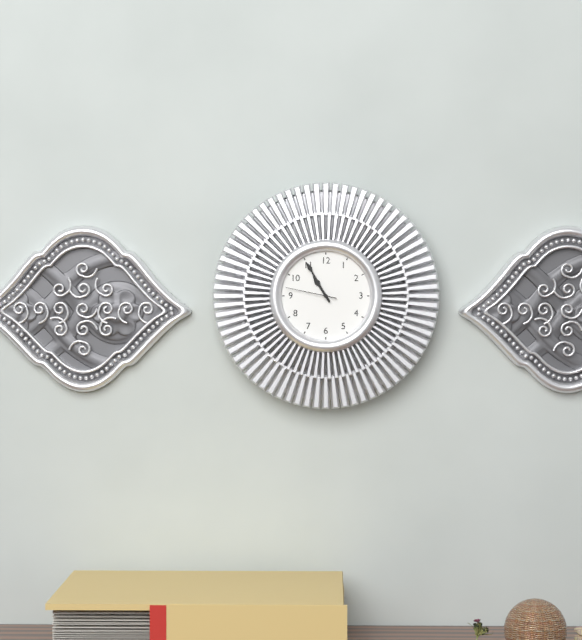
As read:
{"hour": 10, "minute": 55, "second": 47}
